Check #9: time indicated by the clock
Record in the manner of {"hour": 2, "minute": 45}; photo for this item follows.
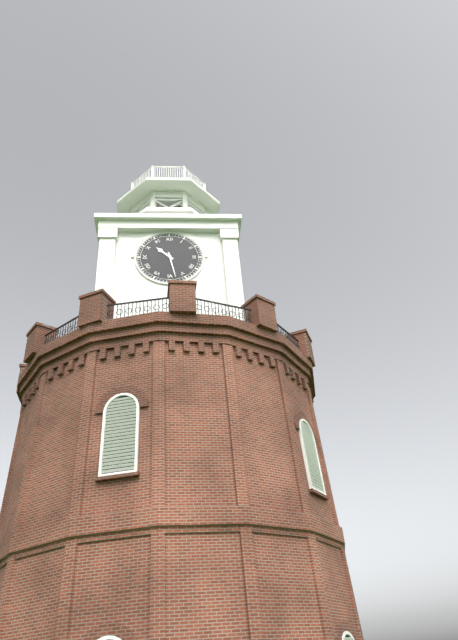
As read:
{"hour": 10, "minute": 28}
